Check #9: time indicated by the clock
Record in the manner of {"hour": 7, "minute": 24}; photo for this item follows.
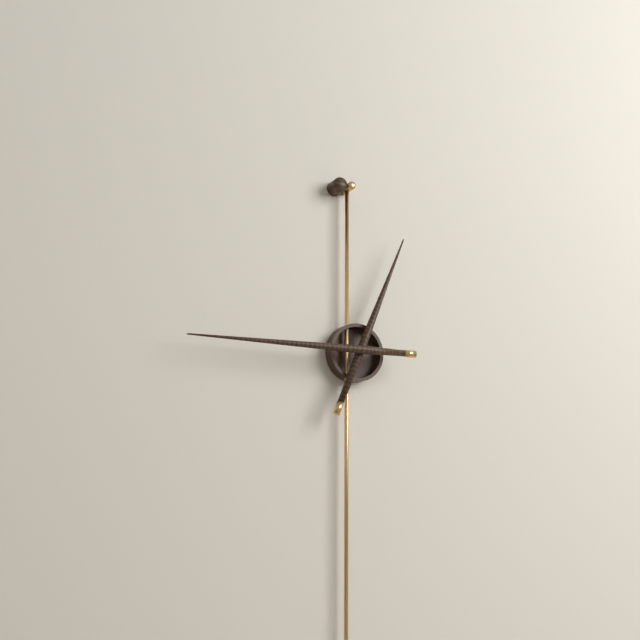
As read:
{"hour": 12, "minute": 45}
